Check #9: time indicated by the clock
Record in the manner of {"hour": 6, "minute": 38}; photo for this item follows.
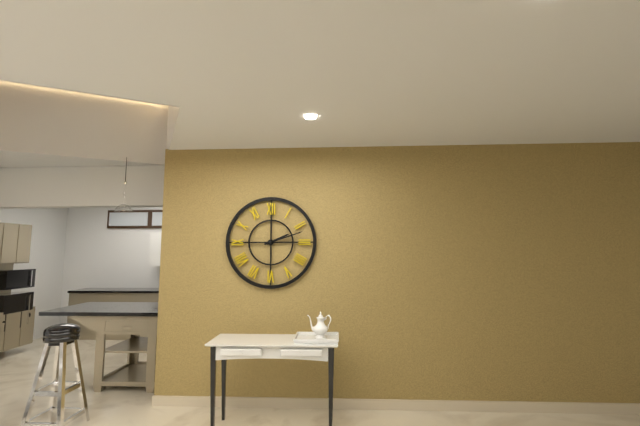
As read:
{"hour": 2, "minute": 12}
